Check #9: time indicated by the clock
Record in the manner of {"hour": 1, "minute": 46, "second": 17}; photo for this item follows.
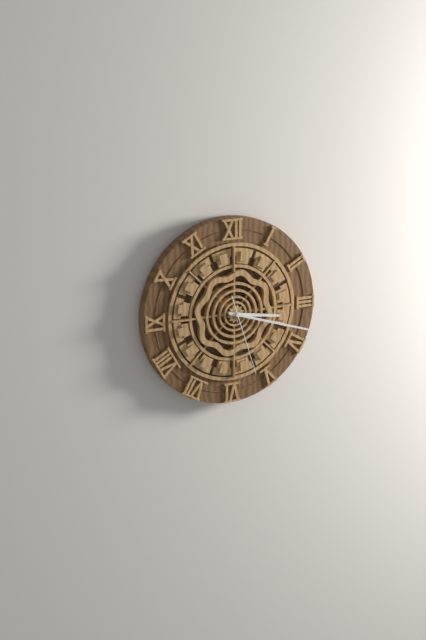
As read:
{"hour": 3, "minute": 18, "second": 27}
